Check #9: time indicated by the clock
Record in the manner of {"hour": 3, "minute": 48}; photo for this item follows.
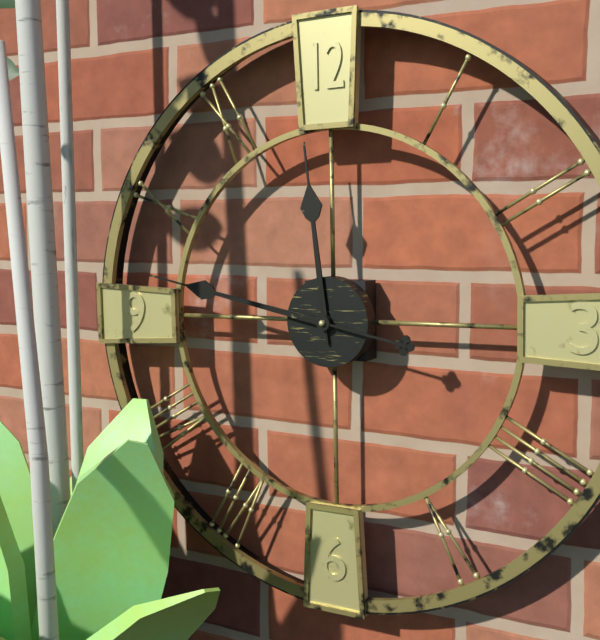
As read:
{"hour": 11, "minute": 47}
